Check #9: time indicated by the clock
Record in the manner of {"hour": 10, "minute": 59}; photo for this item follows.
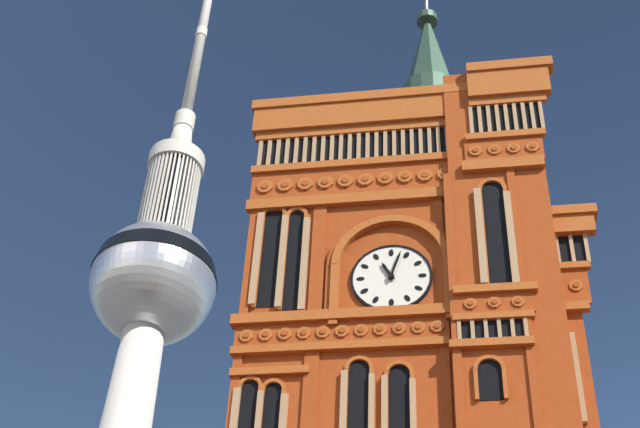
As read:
{"hour": 11, "minute": 3}
